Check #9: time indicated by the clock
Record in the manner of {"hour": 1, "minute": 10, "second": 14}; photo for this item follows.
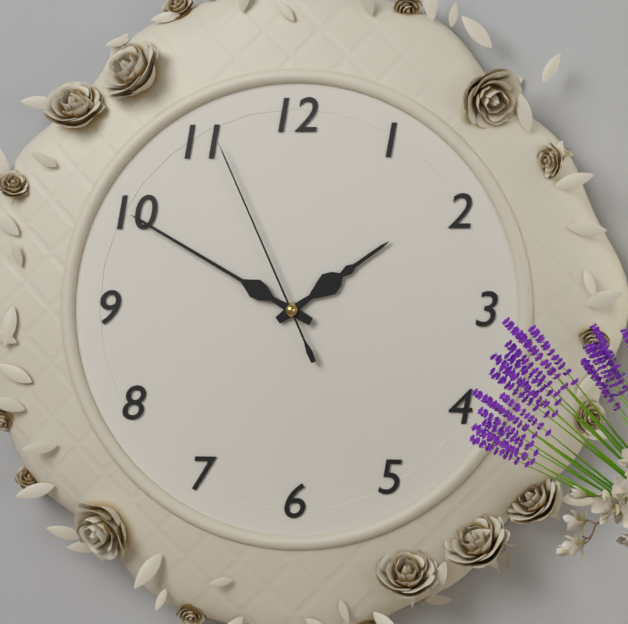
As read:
{"hour": 1, "minute": 50, "second": 56}
